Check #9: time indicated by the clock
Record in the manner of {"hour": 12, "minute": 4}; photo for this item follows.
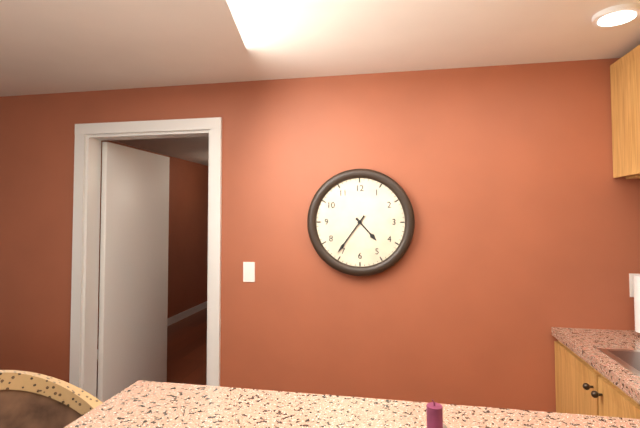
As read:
{"hour": 4, "minute": 36}
